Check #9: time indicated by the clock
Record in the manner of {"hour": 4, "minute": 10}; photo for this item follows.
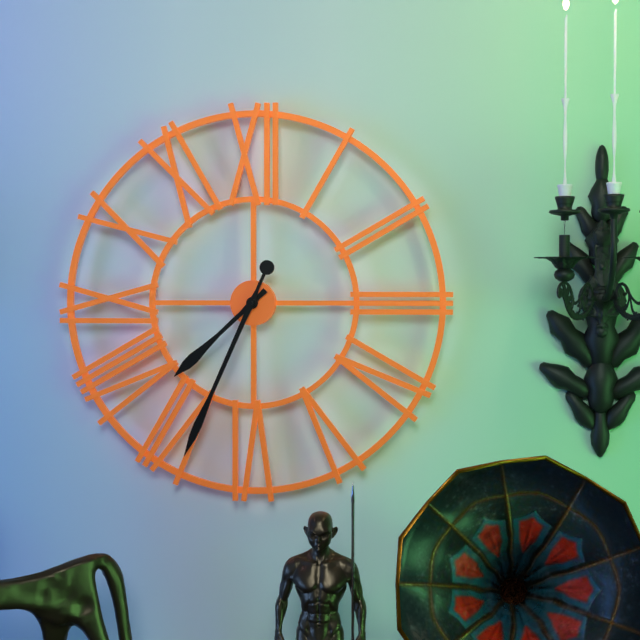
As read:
{"hour": 7, "minute": 34}
